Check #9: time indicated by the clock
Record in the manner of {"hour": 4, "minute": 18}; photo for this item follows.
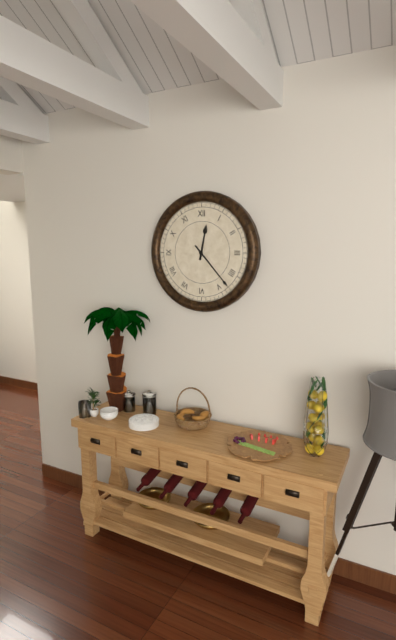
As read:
{"hour": 12, "minute": 23}
